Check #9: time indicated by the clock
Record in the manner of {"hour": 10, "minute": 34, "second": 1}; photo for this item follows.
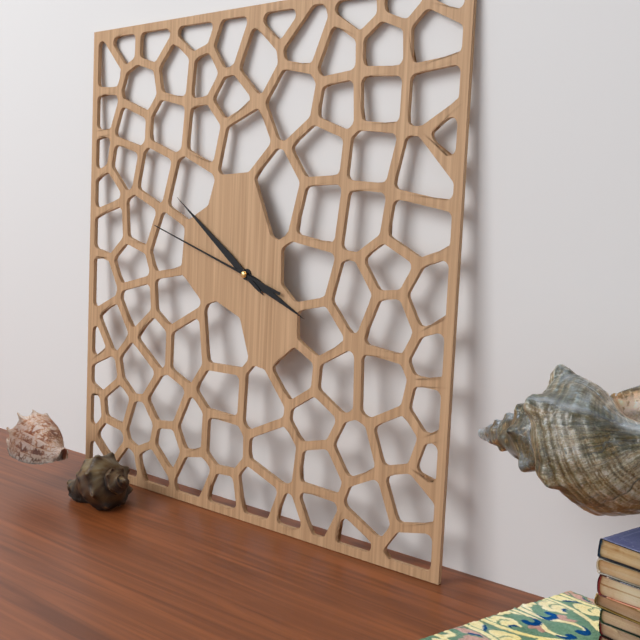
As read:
{"hour": 3, "minute": 51, "second": 48}
